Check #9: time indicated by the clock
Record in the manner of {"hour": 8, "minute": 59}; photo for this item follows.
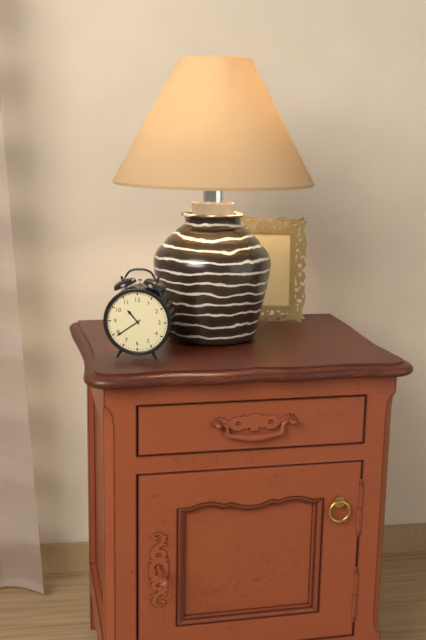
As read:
{"hour": 10, "minute": 39}
